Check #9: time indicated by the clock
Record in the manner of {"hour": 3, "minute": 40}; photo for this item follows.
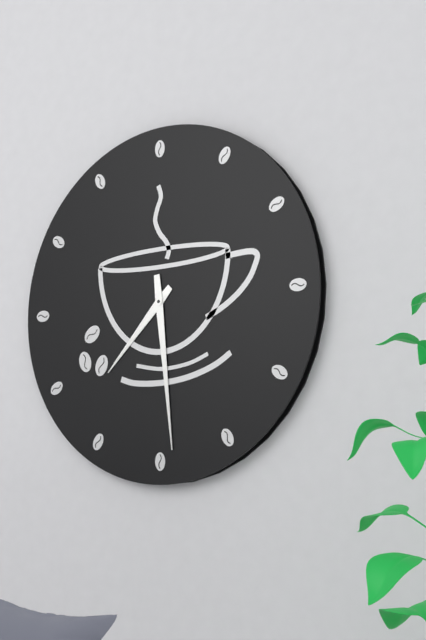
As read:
{"hour": 7, "minute": 29}
